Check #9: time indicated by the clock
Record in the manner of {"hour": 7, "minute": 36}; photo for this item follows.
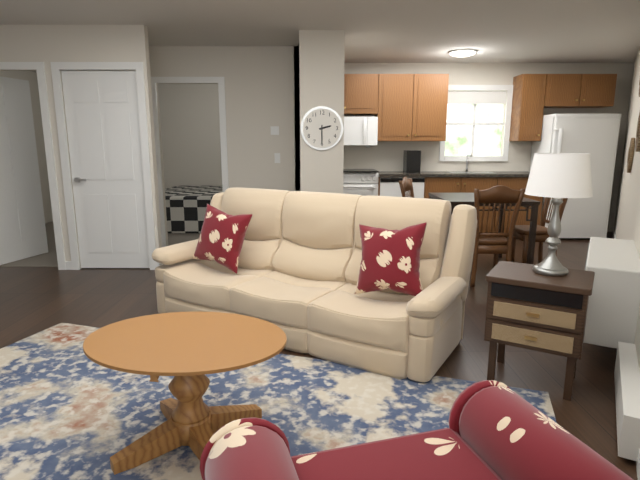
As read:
{"hour": 2, "minute": 30}
